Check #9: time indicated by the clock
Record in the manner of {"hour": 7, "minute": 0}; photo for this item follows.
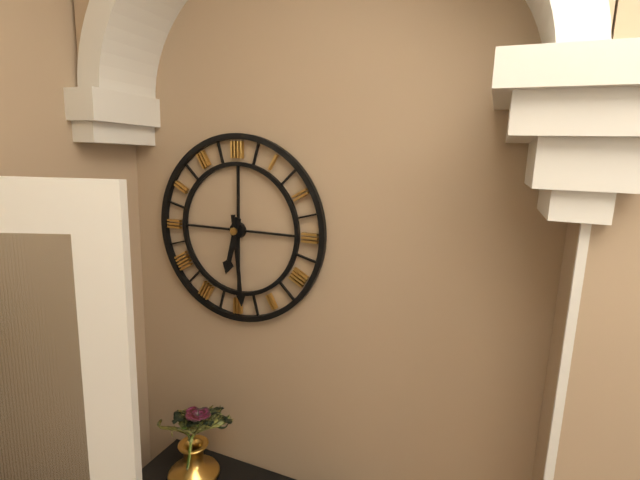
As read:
{"hour": 6, "minute": 29}
